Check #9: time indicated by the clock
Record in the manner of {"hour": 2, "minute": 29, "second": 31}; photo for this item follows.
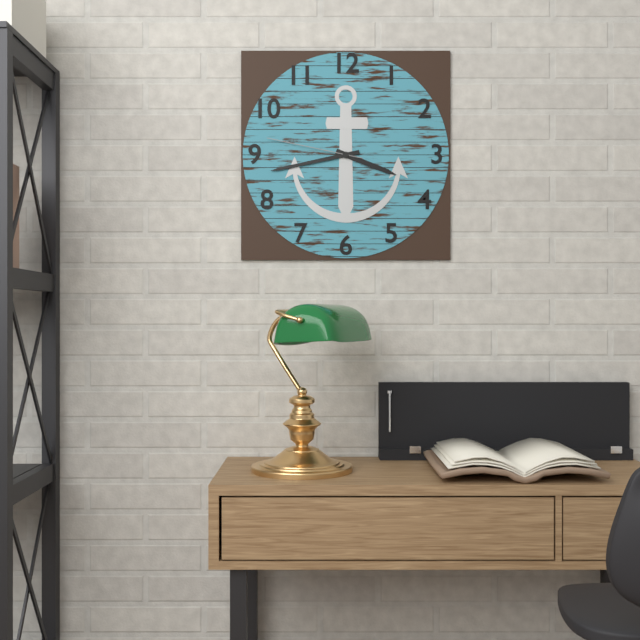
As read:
{"hour": 3, "minute": 43, "second": 47}
